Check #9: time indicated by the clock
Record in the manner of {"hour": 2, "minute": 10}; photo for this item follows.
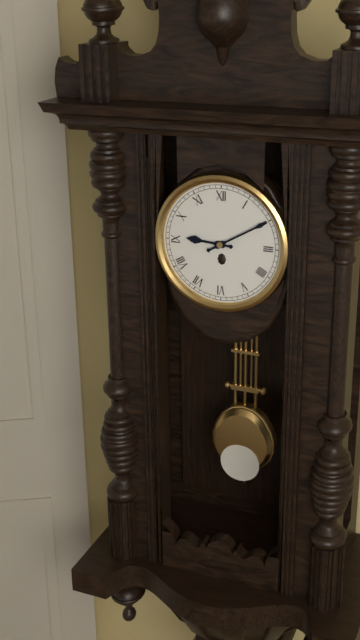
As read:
{"hour": 9, "minute": 10}
